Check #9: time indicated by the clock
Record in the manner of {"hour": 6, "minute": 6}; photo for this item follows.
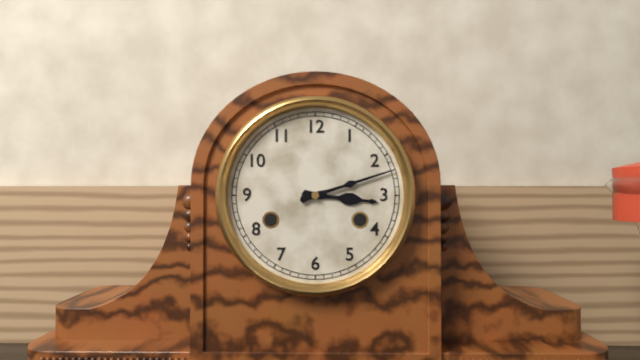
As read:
{"hour": 3, "minute": 12}
